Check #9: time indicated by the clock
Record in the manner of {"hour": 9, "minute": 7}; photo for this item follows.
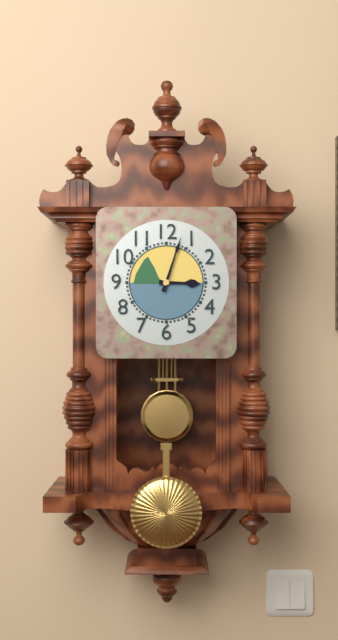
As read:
{"hour": 3, "minute": 3}
